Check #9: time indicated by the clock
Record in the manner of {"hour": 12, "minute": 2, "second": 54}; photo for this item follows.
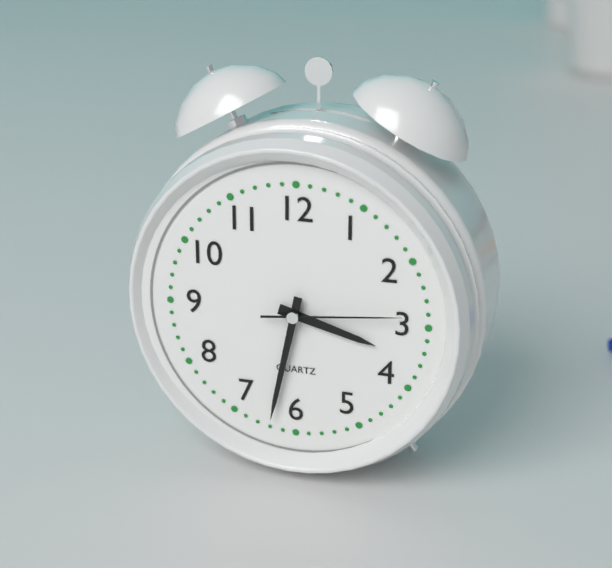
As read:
{"hour": 3, "minute": 32, "second": 14}
